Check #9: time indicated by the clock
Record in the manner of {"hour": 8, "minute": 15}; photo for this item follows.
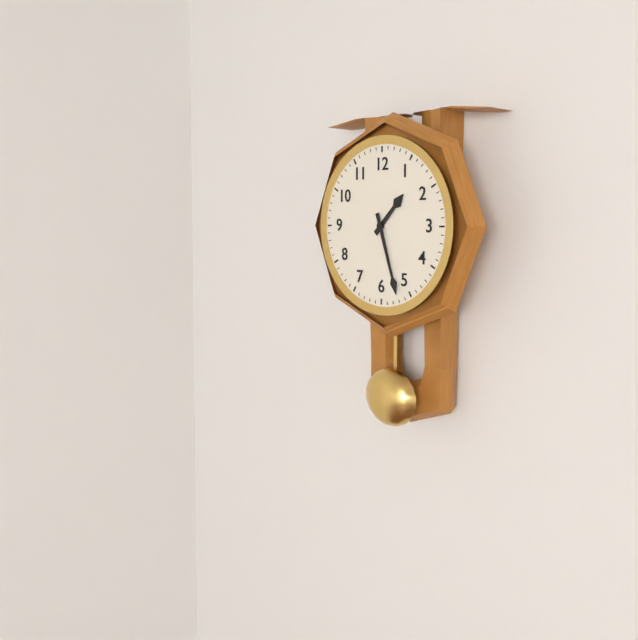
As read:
{"hour": 1, "minute": 27}
